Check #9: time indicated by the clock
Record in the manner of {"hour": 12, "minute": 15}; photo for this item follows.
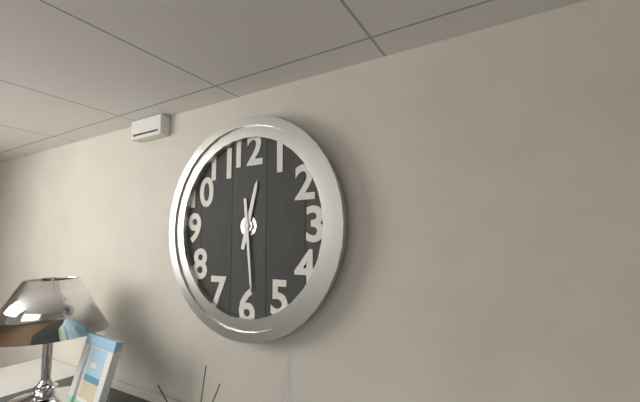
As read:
{"hour": 12, "minute": 29}
